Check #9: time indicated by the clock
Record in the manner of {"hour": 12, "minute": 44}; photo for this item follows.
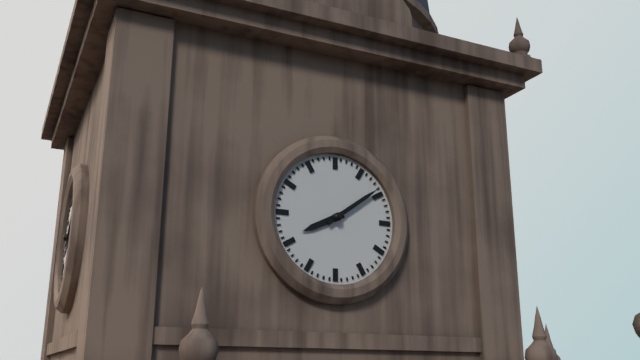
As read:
{"hour": 8, "minute": 9}
